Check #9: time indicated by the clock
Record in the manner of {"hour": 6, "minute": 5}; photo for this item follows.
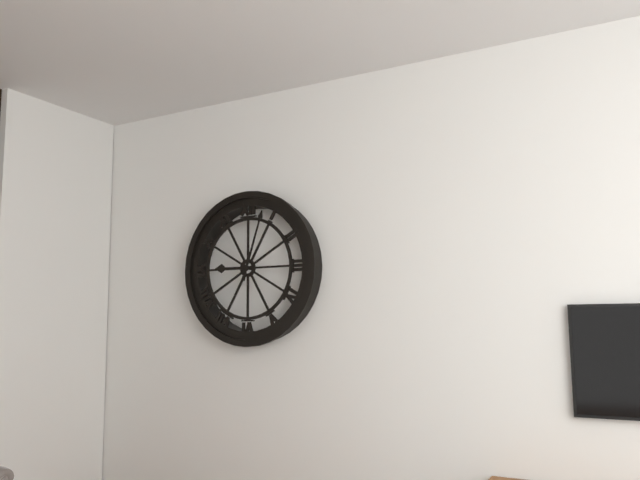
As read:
{"hour": 9, "minute": 3}
